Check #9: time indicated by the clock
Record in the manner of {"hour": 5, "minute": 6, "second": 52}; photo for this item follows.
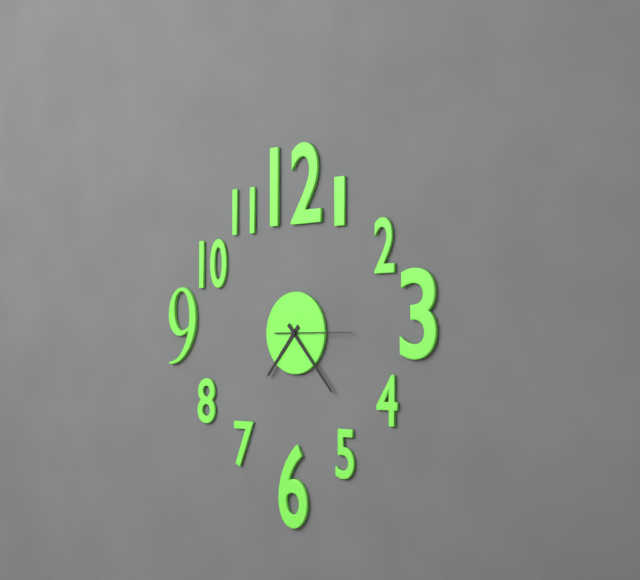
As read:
{"hour": 7, "minute": 23, "second": 15}
